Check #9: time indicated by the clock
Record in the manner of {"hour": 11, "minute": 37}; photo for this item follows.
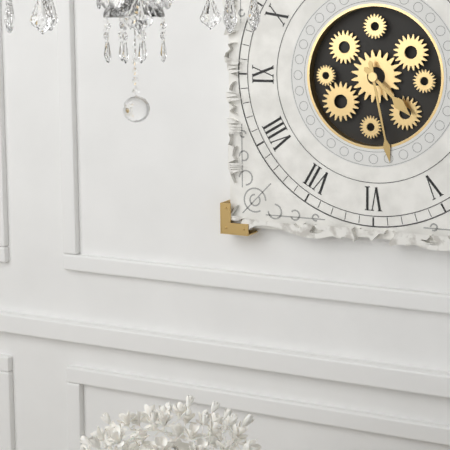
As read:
{"hour": 4, "minute": 28}
